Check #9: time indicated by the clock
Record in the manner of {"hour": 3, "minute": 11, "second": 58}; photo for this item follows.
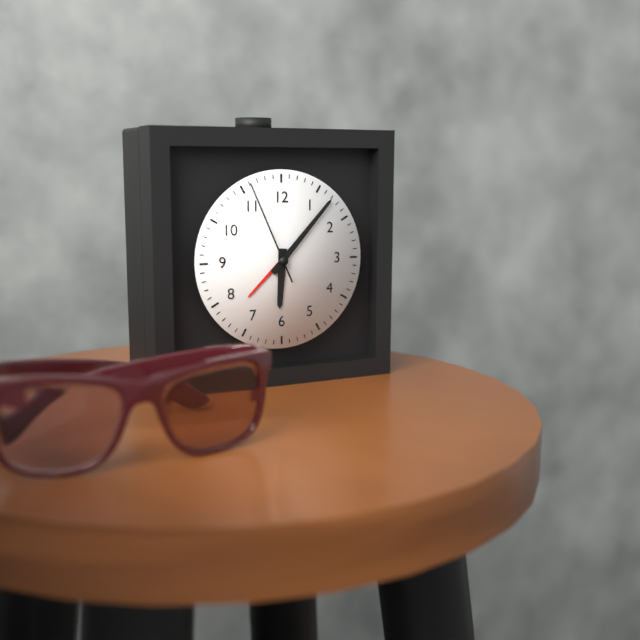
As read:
{"hour": 6, "minute": 7, "second": 56}
